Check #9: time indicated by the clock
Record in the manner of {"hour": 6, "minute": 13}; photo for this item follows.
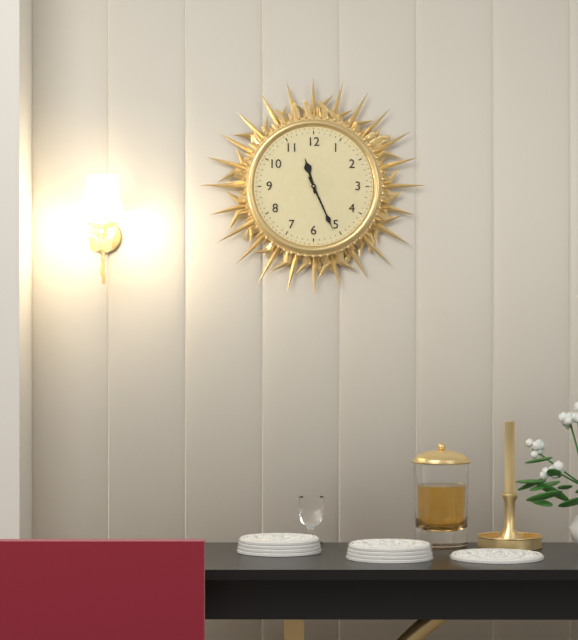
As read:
{"hour": 11, "minute": 26}
